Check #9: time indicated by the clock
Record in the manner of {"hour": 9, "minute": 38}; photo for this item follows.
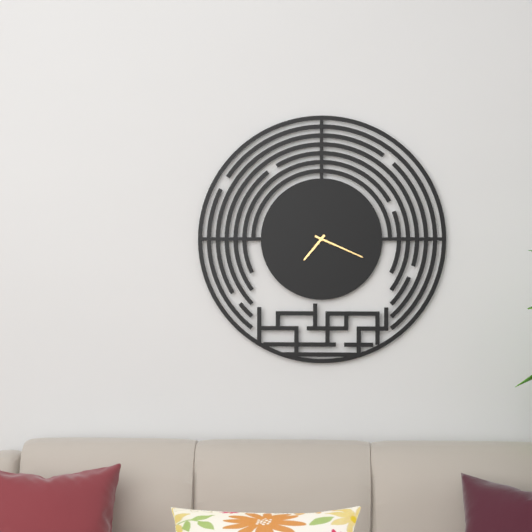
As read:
{"hour": 7, "minute": 19}
